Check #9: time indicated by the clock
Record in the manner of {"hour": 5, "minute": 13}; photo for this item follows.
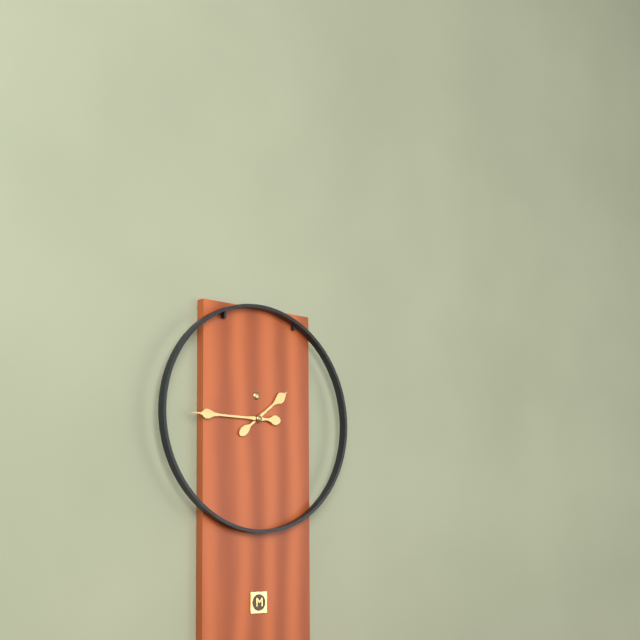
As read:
{"hour": 1, "minute": 45}
